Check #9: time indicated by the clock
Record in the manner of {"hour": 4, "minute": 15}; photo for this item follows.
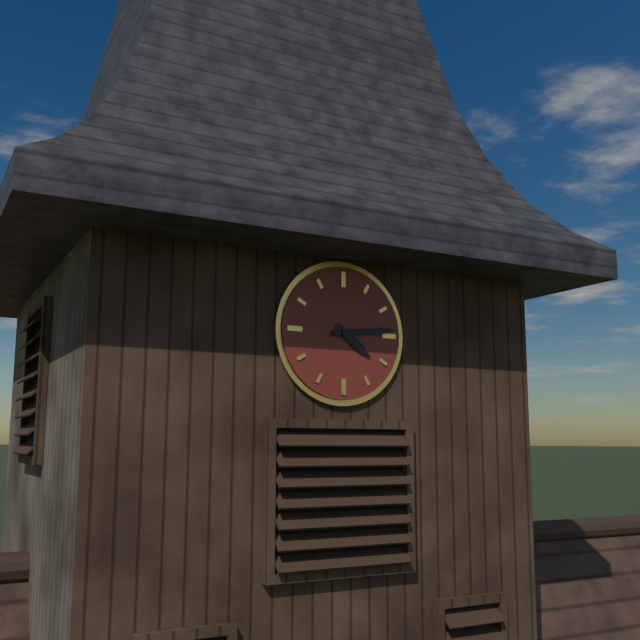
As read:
{"hour": 4, "minute": 14}
